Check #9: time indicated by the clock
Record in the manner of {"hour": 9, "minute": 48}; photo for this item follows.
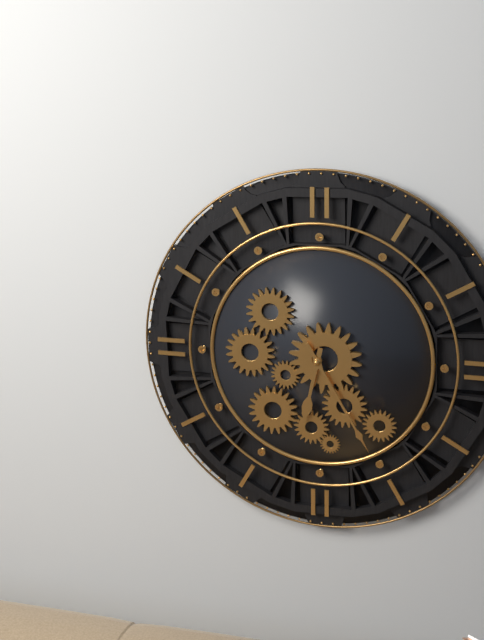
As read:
{"hour": 6, "minute": 25}
